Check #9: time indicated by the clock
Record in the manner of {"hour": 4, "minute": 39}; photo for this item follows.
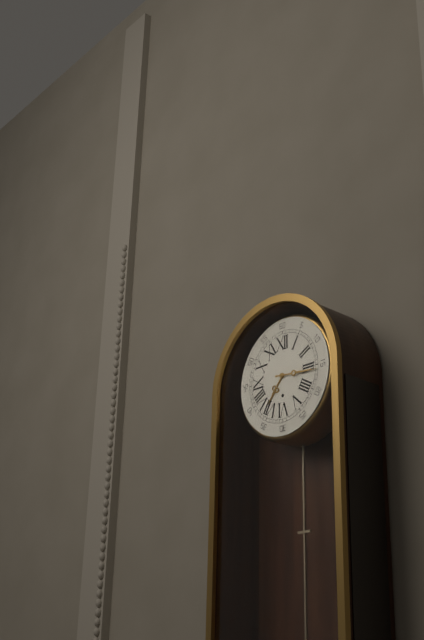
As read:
{"hour": 7, "minute": 16}
